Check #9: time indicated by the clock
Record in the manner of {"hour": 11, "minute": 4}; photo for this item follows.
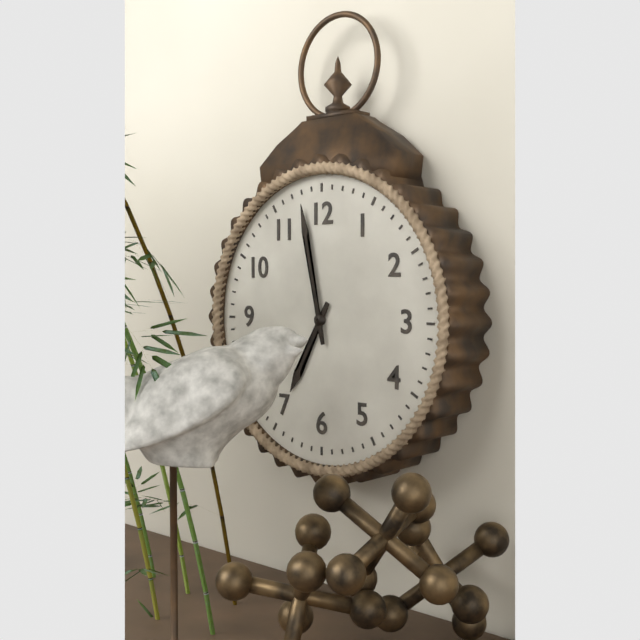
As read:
{"hour": 6, "minute": 58}
